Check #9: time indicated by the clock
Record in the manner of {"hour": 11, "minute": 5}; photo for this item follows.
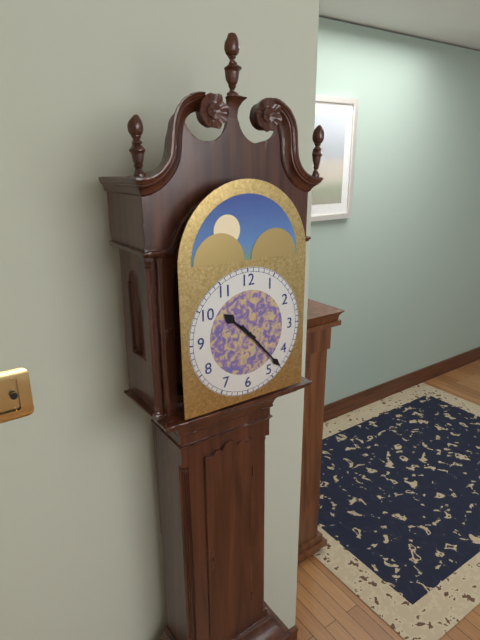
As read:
{"hour": 10, "minute": 23}
